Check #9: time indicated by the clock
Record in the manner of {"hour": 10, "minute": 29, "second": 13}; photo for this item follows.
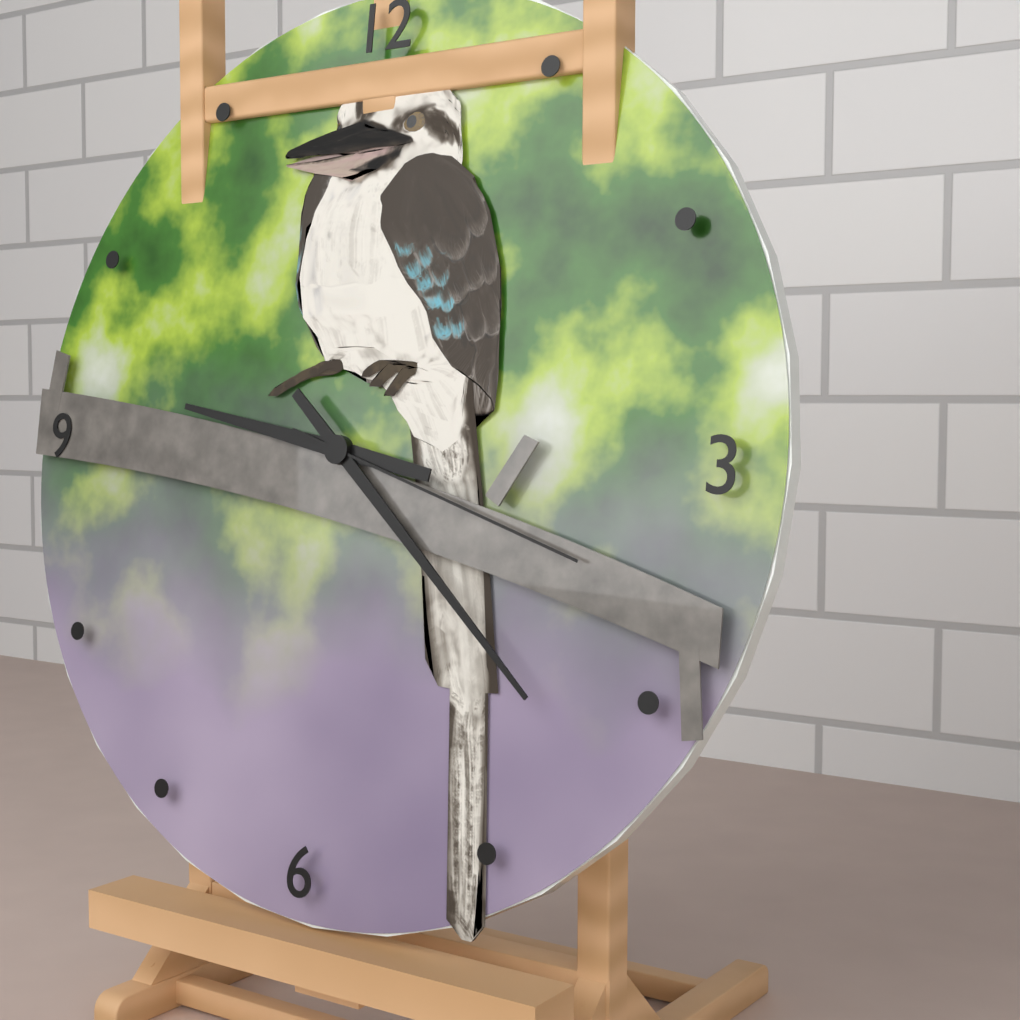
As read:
{"hour": 9, "minute": 22, "second": 18}
